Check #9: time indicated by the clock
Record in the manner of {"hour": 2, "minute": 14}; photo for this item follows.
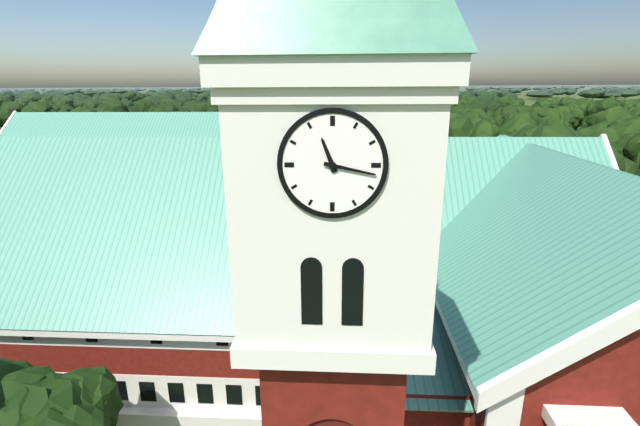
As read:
{"hour": 11, "minute": 17}
